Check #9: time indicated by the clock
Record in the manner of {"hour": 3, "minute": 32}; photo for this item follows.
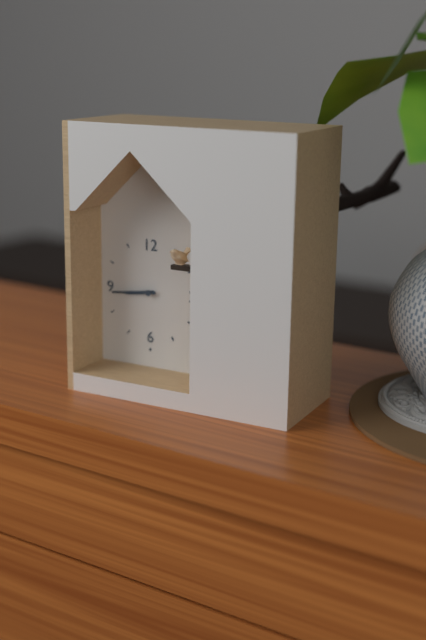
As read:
{"hour": 8, "minute": 44}
